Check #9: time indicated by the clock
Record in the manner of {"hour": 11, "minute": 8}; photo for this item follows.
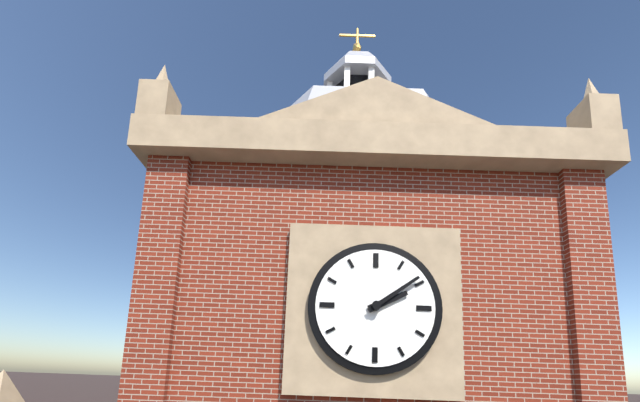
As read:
{"hour": 2, "minute": 9}
